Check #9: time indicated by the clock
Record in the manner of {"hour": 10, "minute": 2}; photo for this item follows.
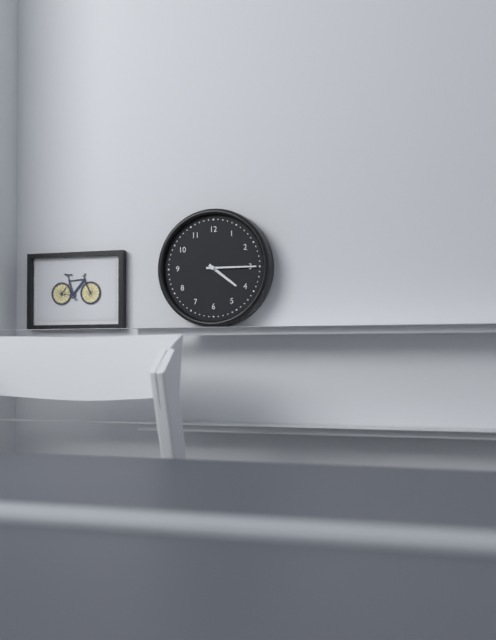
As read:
{"hour": 4, "minute": 15}
